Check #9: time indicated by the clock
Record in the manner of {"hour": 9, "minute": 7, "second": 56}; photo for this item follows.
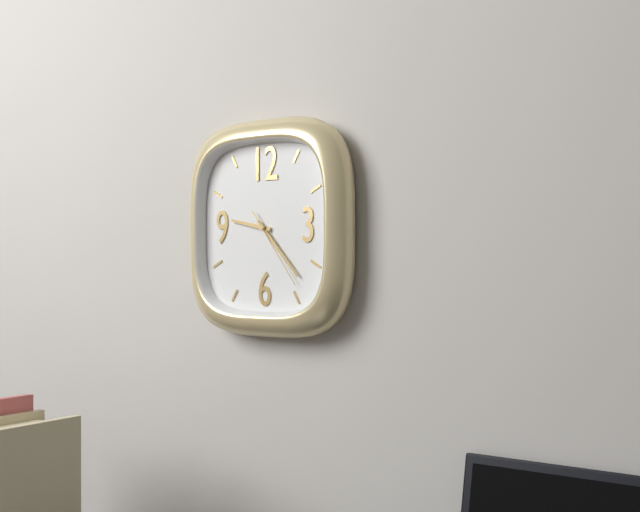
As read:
{"hour": 9, "minute": 23, "second": 24}
